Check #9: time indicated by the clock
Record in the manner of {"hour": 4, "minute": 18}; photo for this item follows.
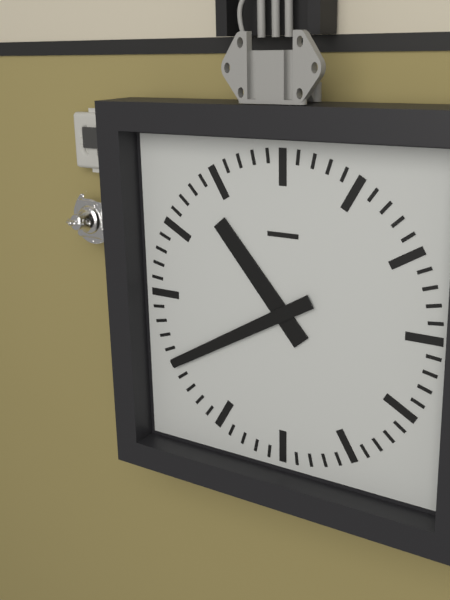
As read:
{"hour": 10, "minute": 40}
